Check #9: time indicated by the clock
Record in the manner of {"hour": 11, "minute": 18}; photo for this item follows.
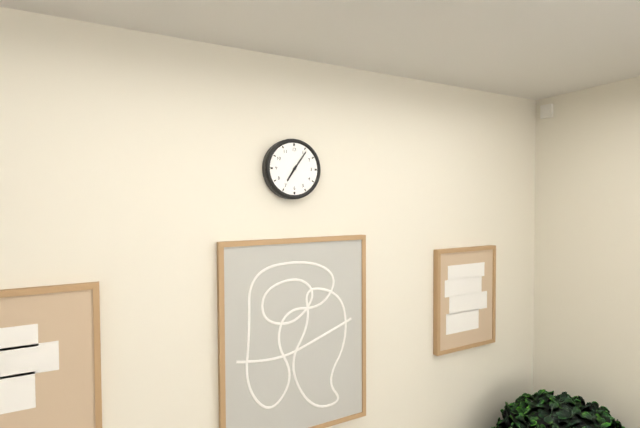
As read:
{"hour": 7, "minute": 6}
